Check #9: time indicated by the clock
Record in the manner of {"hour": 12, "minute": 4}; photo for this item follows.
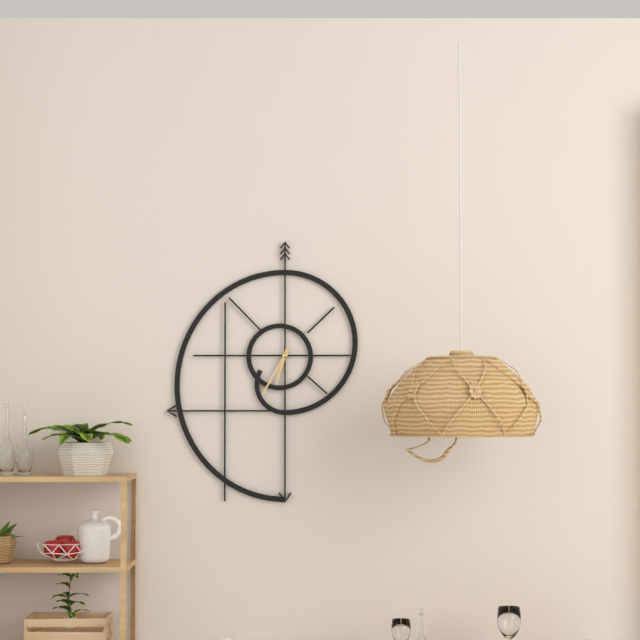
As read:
{"hour": 6, "minute": 35}
